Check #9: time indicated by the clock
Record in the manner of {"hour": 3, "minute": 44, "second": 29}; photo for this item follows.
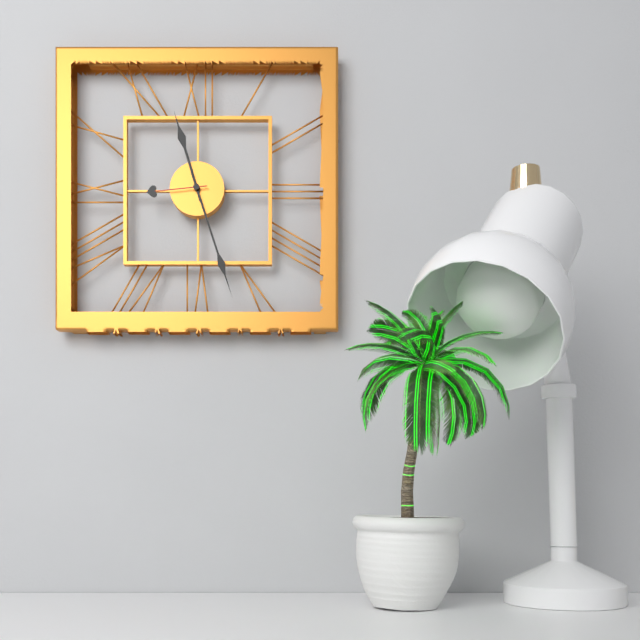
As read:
{"hour": 11, "minute": 27, "second": 44}
